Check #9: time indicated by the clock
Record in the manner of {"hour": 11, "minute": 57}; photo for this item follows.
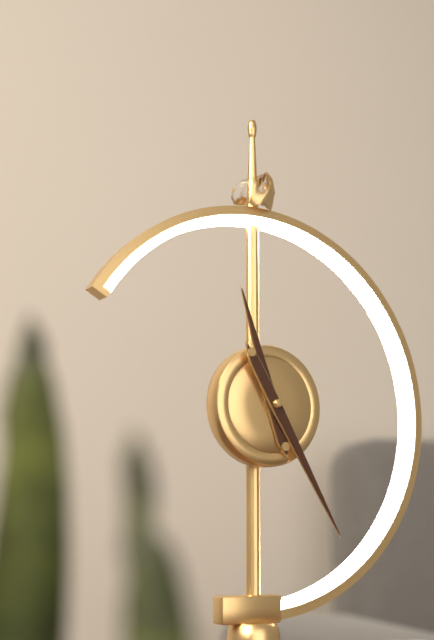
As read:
{"hour": 11, "minute": 25}
